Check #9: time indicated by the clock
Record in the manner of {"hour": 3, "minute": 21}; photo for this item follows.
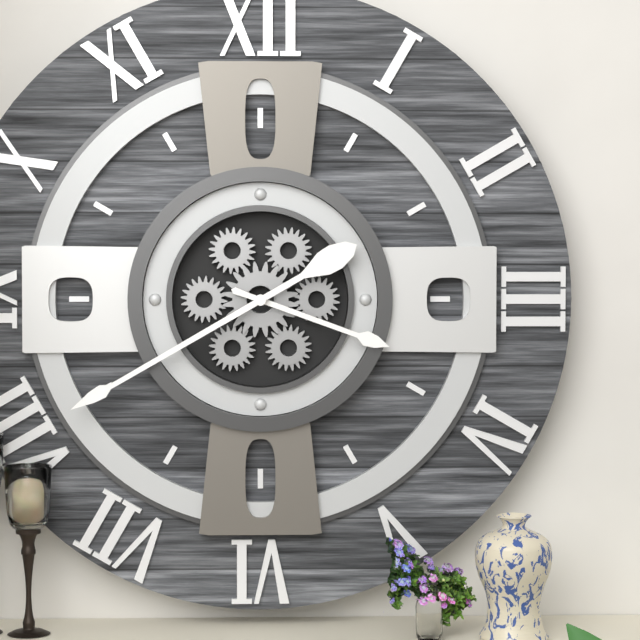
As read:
{"hour": 3, "minute": 40}
